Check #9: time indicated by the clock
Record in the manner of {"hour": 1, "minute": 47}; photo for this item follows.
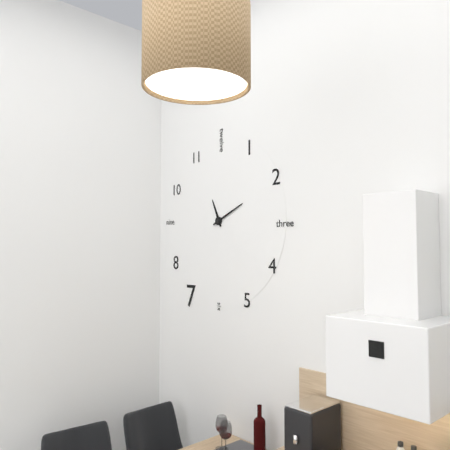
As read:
{"hour": 11, "minute": 11}
